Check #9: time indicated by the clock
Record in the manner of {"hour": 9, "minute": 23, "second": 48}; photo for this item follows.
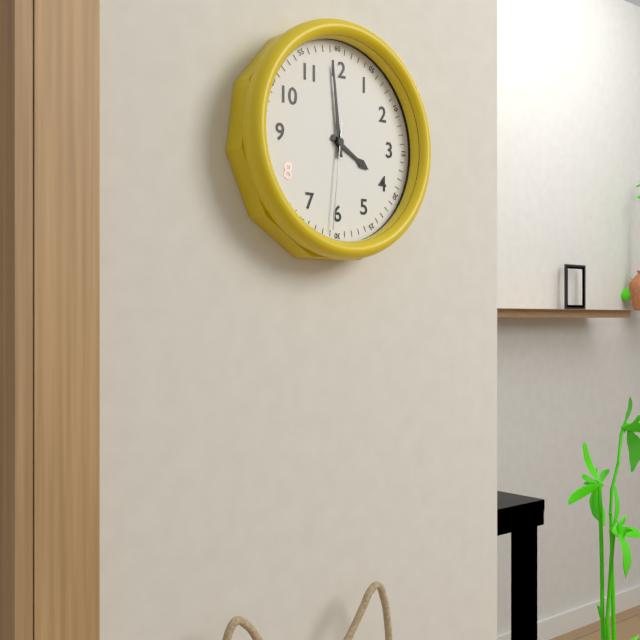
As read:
{"hour": 3, "minute": 59, "second": 31}
